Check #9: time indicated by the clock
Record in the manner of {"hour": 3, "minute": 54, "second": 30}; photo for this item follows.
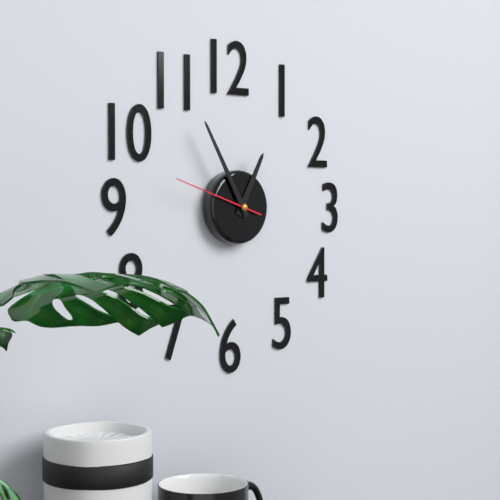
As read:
{"hour": 12, "minute": 55, "second": 48}
